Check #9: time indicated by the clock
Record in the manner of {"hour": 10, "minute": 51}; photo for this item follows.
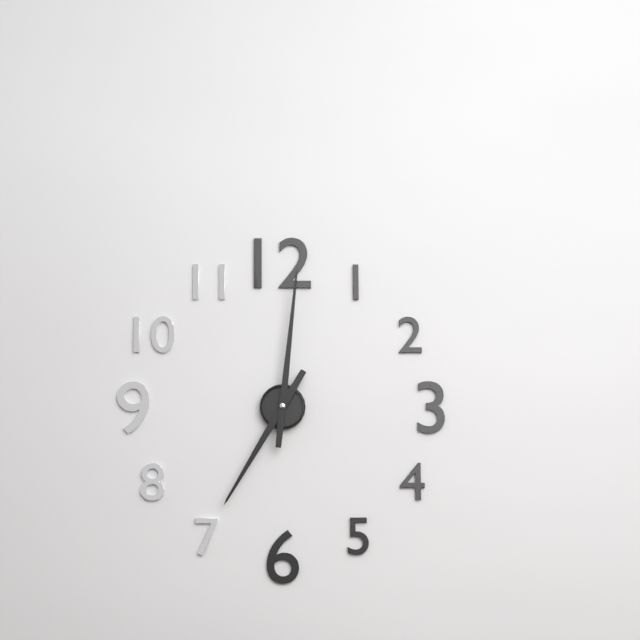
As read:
{"hour": 7, "minute": 1}
